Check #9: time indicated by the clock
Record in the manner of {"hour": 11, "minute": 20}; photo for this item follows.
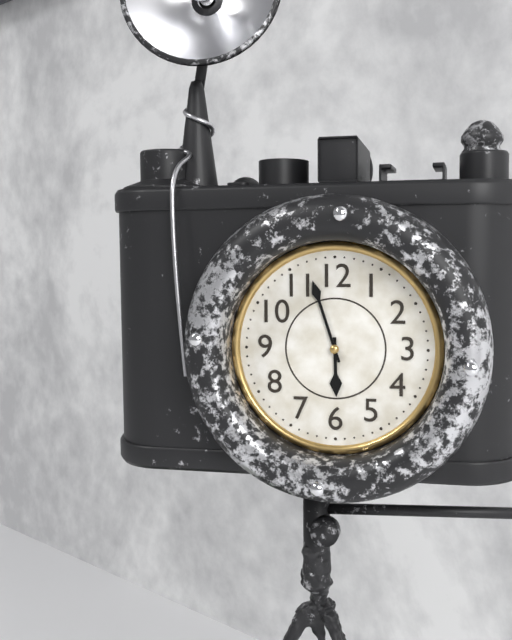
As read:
{"hour": 5, "minute": 57}
